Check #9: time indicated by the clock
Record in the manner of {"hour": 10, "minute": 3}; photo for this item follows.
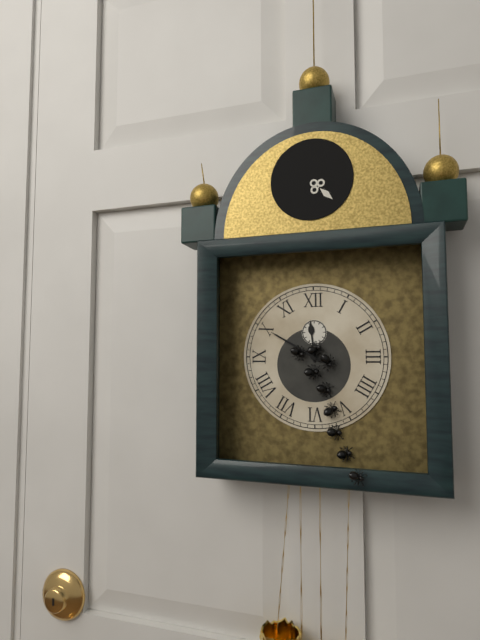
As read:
{"hour": 11, "minute": 50}
